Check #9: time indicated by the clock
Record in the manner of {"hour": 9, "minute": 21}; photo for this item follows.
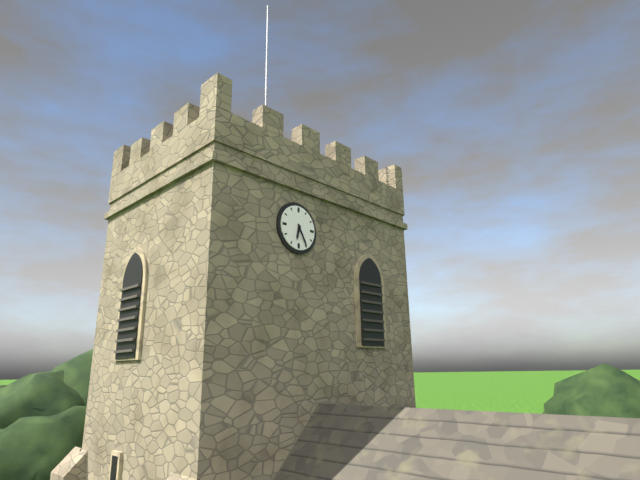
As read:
{"hour": 6, "minute": 25}
